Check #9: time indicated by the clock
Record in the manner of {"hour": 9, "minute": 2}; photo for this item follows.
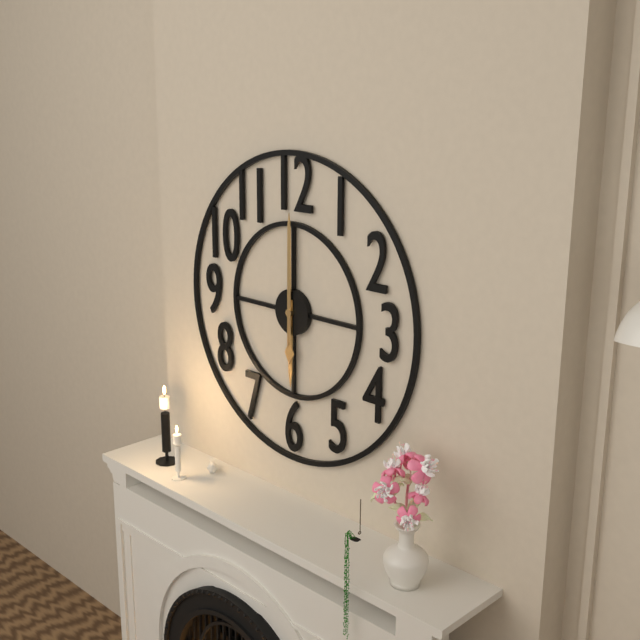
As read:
{"hour": 6, "minute": 0}
